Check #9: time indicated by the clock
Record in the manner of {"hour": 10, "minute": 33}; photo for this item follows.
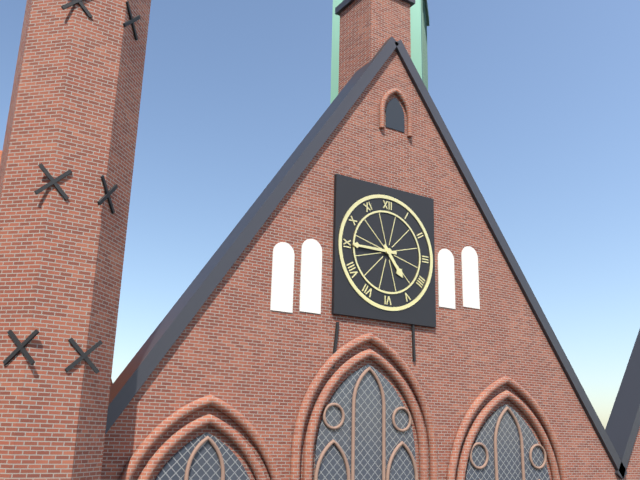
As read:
{"hour": 4, "minute": 45}
